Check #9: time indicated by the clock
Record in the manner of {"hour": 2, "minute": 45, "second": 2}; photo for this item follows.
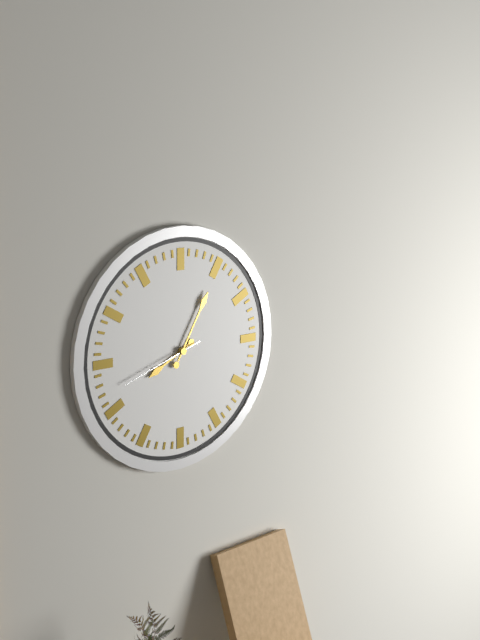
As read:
{"hour": 8, "minute": 5, "second": 42}
